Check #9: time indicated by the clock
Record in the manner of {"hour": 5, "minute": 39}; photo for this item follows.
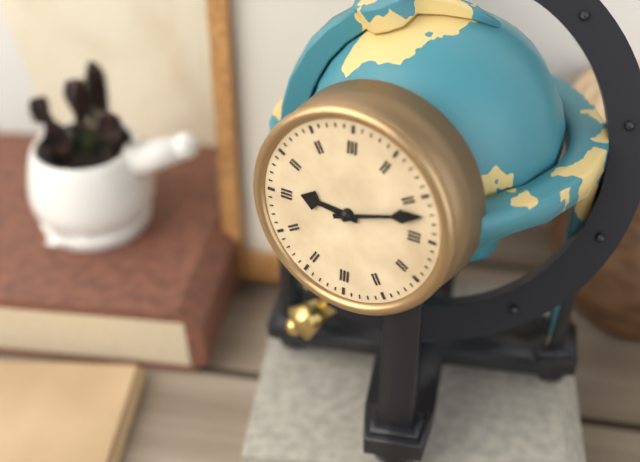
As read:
{"hour": 9, "minute": 12}
